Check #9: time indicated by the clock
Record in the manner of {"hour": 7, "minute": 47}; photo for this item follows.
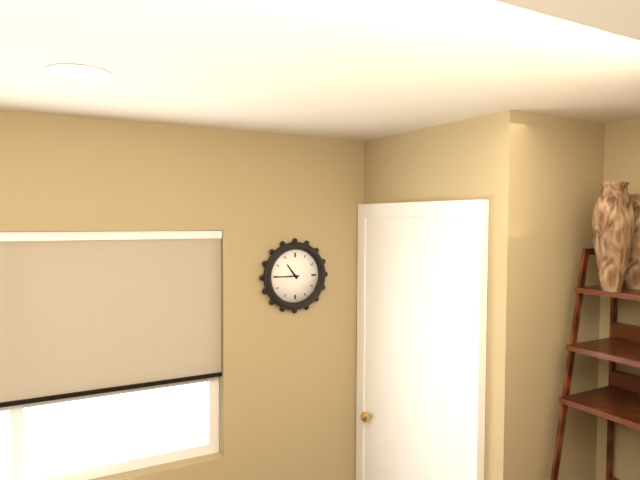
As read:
{"hour": 10, "minute": 45}
